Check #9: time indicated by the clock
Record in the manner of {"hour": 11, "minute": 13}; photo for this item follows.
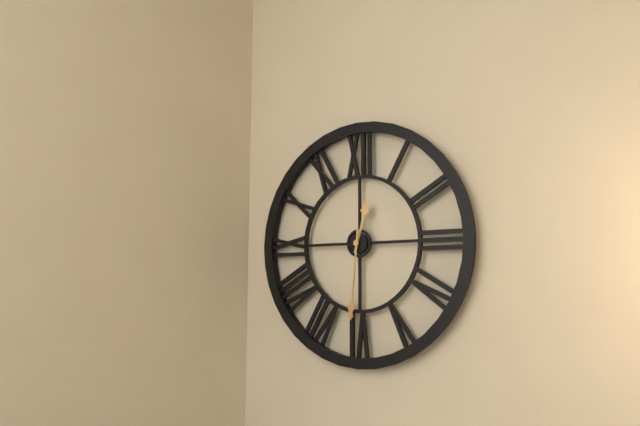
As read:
{"hour": 12, "minute": 31}
